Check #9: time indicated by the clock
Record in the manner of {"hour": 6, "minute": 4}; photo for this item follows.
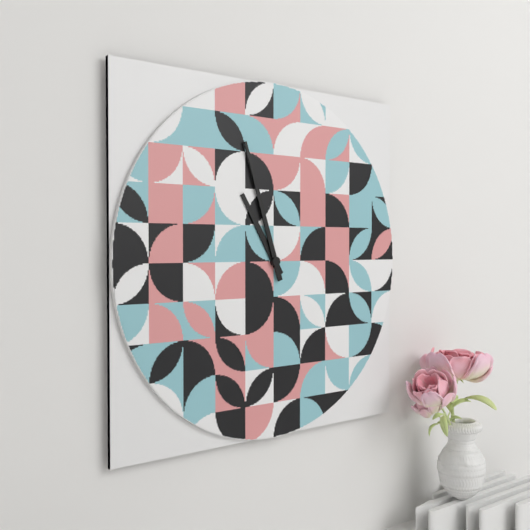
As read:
{"hour": 10, "minute": 57}
